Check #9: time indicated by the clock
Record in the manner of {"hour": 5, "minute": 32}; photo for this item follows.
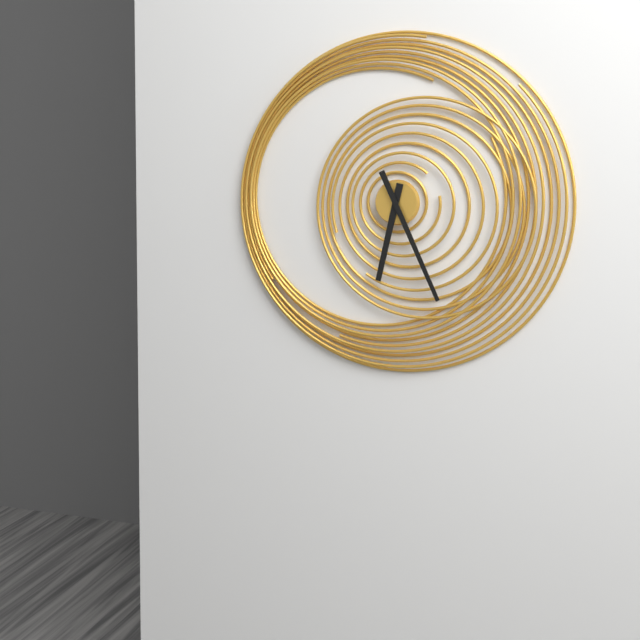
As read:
{"hour": 6, "minute": 26}
